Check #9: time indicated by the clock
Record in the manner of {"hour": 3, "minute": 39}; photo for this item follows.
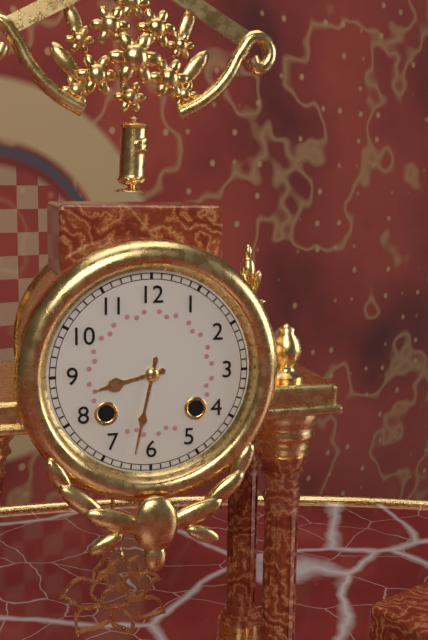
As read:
{"hour": 8, "minute": 32}
